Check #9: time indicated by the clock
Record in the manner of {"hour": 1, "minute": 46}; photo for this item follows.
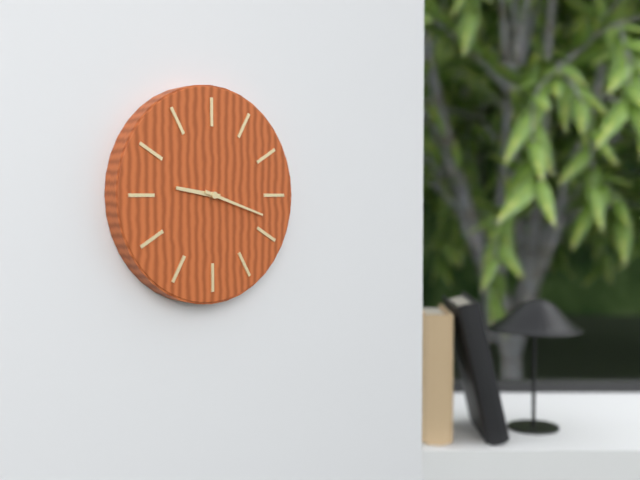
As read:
{"hour": 9, "minute": 18}
